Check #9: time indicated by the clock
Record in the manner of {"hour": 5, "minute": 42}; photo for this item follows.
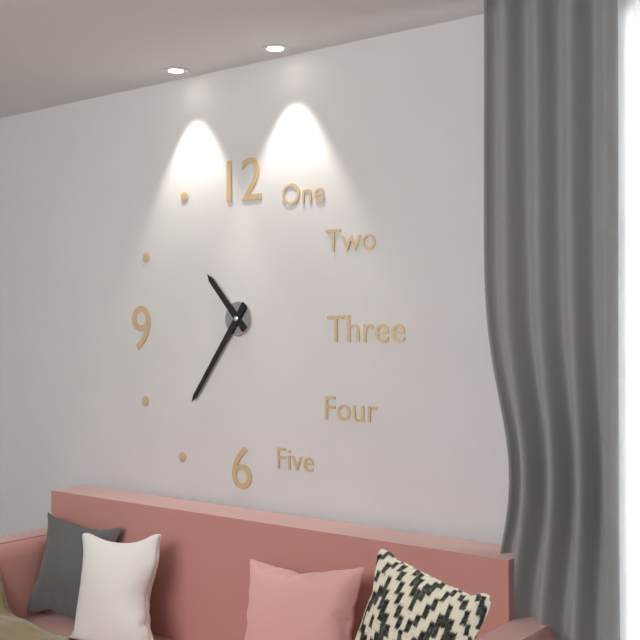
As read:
{"hour": 10, "minute": 36}
